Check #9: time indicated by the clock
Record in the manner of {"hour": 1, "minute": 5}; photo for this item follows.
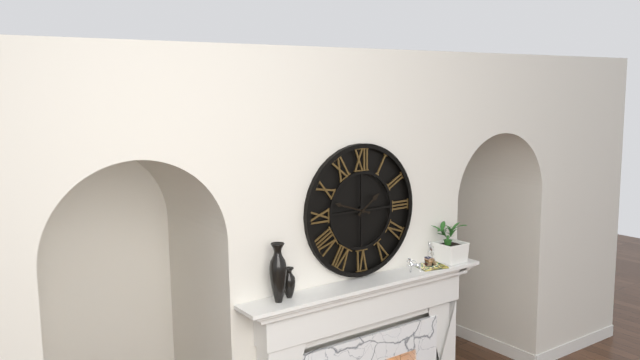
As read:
{"hour": 1, "minute": 48}
